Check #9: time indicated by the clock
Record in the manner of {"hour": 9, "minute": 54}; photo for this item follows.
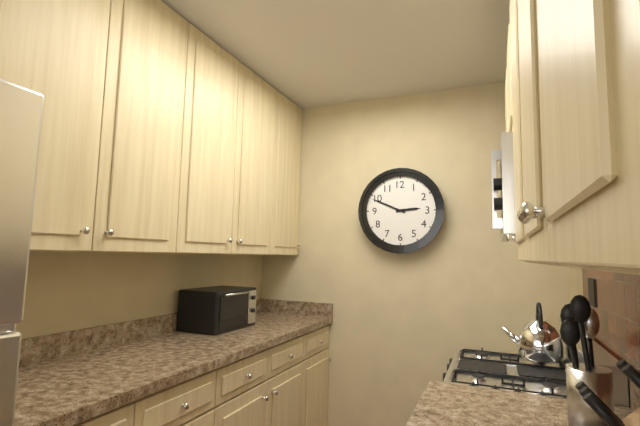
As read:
{"hour": 2, "minute": 49}
